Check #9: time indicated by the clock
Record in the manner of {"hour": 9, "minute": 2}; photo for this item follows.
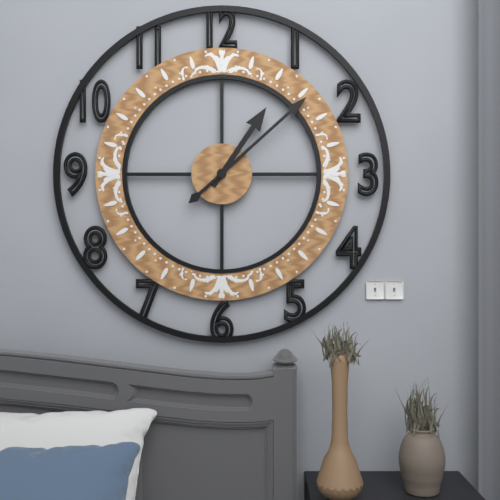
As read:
{"hour": 1, "minute": 8}
